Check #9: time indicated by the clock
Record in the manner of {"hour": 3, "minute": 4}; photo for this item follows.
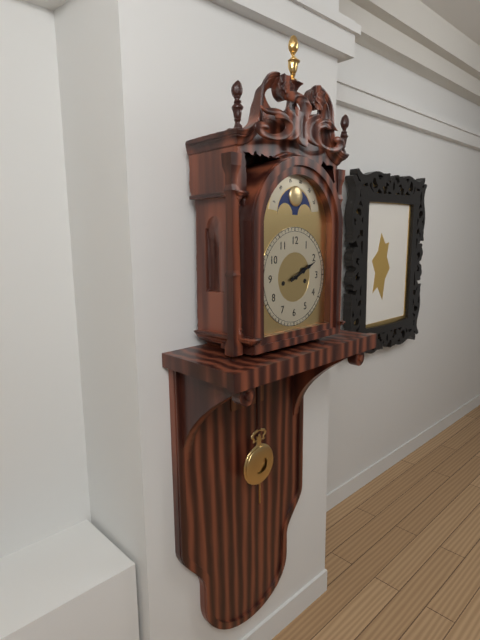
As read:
{"hour": 2, "minute": 11}
